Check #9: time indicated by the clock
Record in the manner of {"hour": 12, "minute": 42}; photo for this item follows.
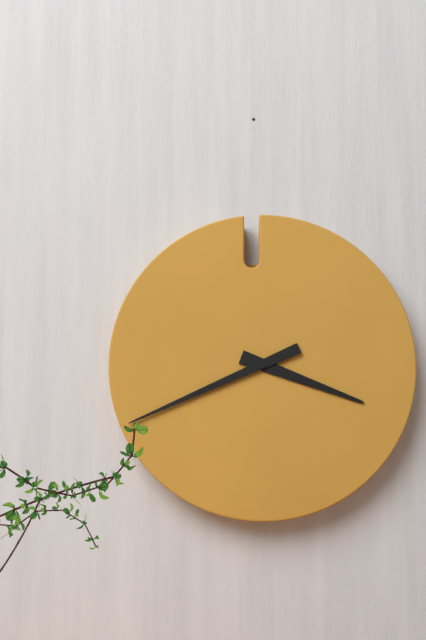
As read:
{"hour": 3, "minute": 41}
